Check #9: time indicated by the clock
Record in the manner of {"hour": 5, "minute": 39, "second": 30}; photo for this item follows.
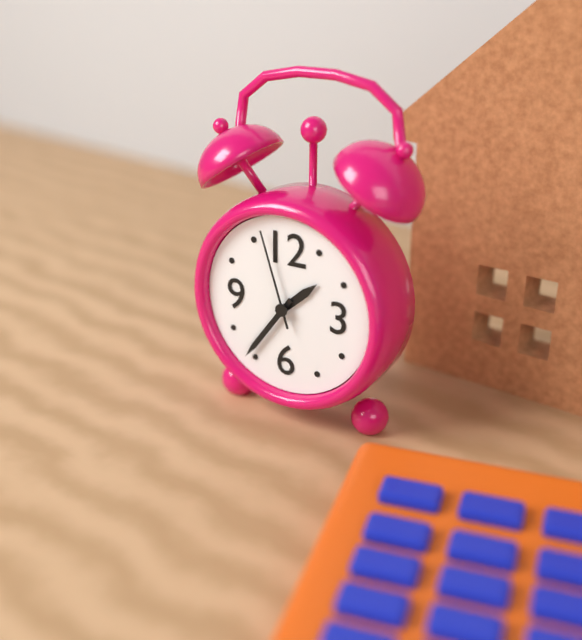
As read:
{"hour": 1, "minute": 36, "second": 57}
